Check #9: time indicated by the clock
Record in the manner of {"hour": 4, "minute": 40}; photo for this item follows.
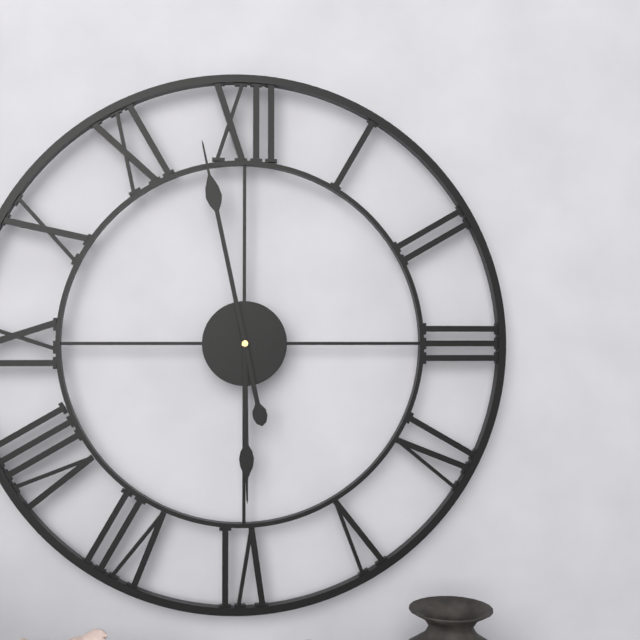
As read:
{"hour": 5, "minute": 58}
